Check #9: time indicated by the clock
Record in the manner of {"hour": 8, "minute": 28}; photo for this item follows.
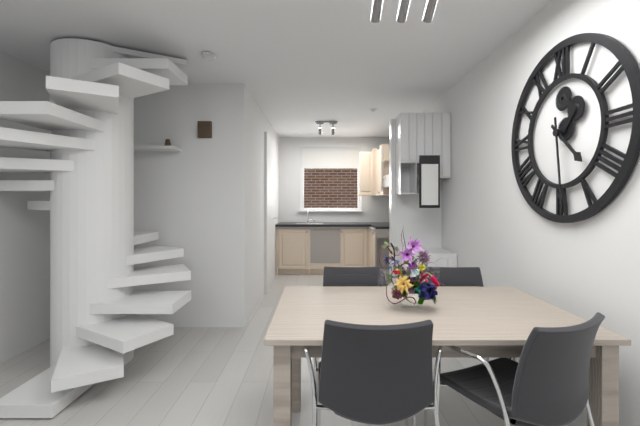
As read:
{"hour": 4, "minute": 29}
